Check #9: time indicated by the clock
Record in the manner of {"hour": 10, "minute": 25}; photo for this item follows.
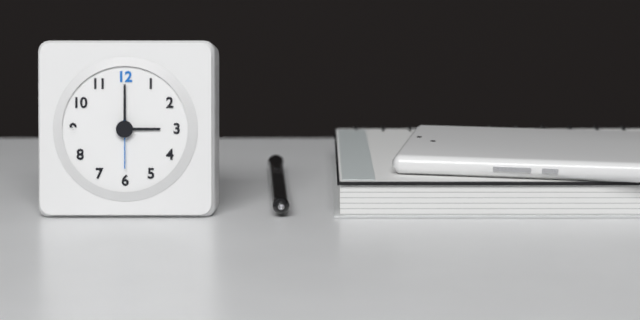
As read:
{"hour": 3, "minute": 0}
